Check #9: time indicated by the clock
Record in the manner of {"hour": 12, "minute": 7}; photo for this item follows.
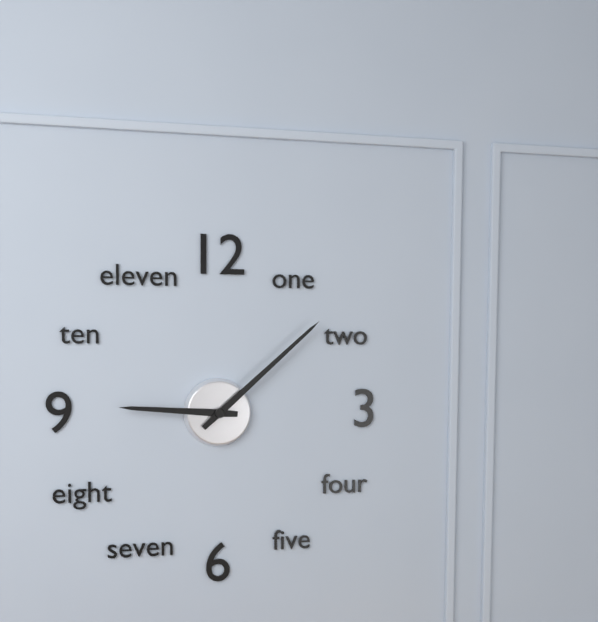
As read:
{"hour": 9, "minute": 8}
